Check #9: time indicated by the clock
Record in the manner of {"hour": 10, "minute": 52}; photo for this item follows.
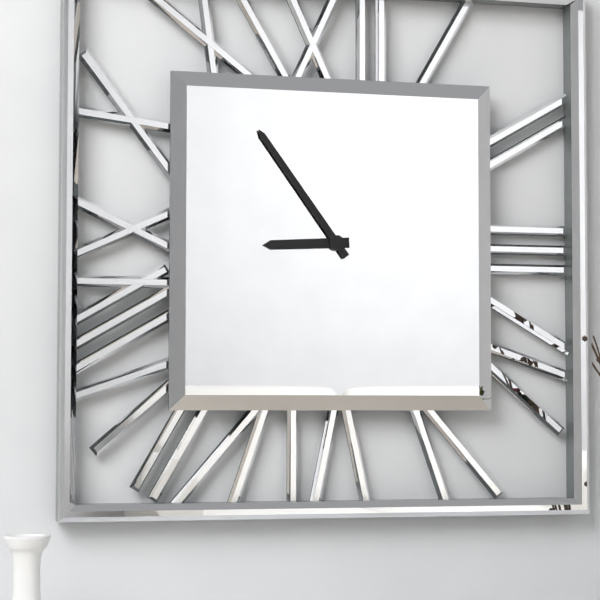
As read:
{"hour": 8, "minute": 54}
